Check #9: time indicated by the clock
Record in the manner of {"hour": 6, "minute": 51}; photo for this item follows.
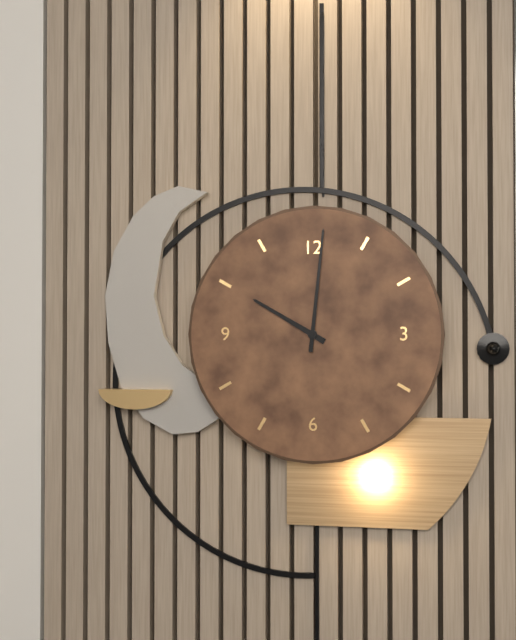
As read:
{"hour": 10, "minute": 1}
